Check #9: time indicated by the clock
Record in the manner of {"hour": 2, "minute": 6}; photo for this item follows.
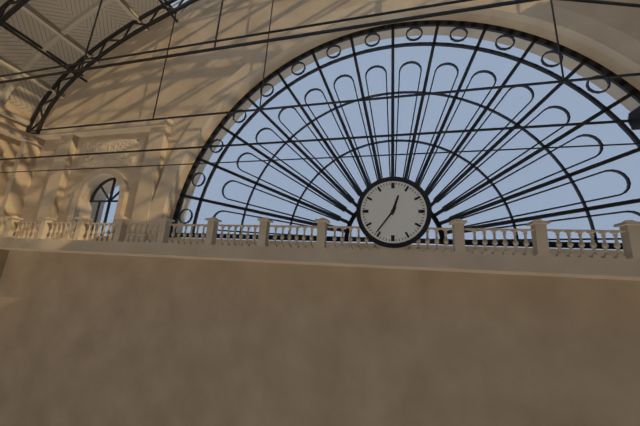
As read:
{"hour": 12, "minute": 36}
